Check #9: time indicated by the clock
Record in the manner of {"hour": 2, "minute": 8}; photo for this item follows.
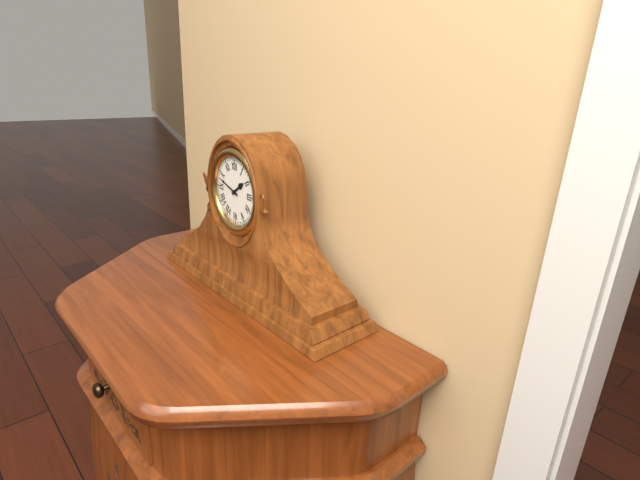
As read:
{"hour": 1, "minute": 48}
